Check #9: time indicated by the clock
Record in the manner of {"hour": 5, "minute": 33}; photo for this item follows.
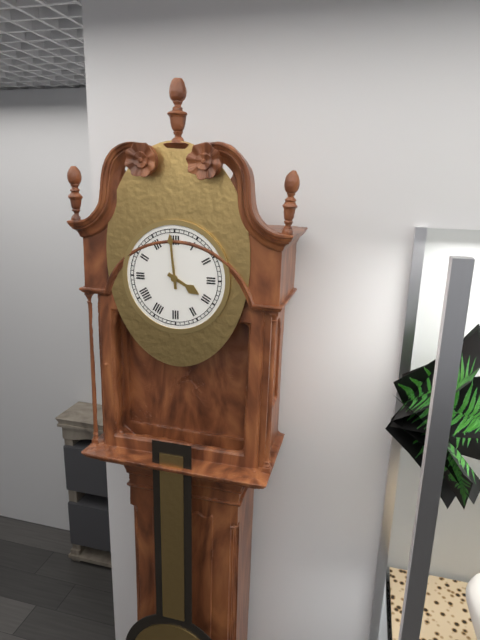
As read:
{"hour": 3, "minute": 59}
